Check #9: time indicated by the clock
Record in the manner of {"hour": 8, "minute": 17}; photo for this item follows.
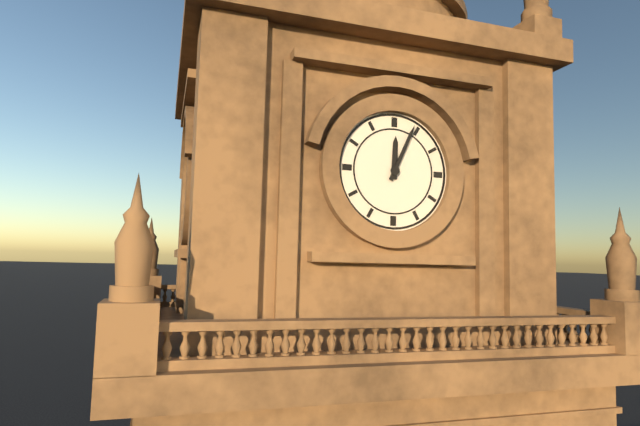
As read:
{"hour": 12, "minute": 4}
